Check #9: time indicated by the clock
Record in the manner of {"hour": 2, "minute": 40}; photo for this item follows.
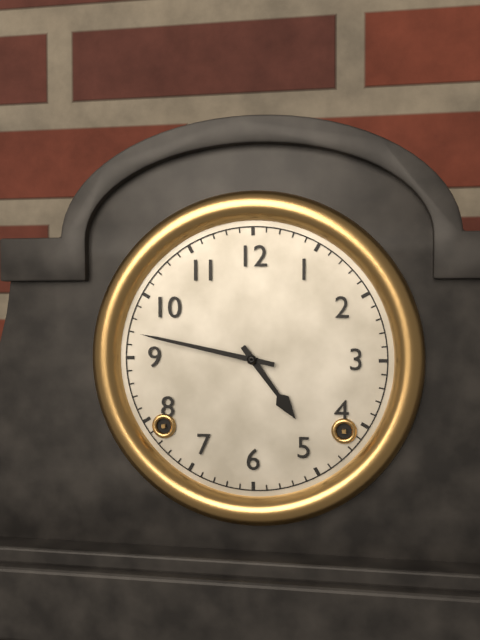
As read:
{"hour": 4, "minute": 47}
